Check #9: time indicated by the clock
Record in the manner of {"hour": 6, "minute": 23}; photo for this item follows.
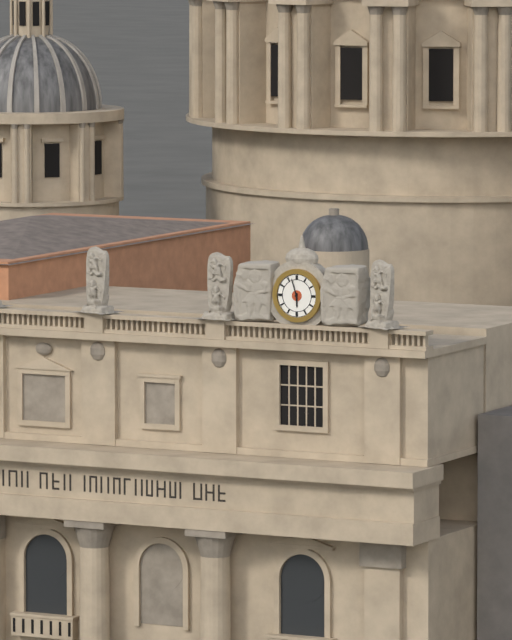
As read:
{"hour": 5, "minute": 57}
